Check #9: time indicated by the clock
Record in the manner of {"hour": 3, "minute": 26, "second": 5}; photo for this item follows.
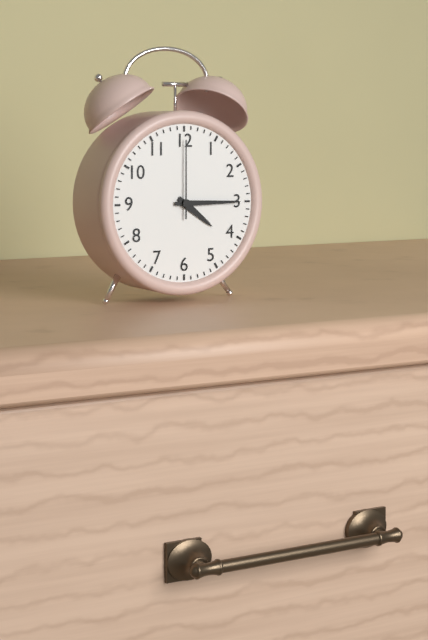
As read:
{"hour": 4, "minute": 15, "second": 0}
